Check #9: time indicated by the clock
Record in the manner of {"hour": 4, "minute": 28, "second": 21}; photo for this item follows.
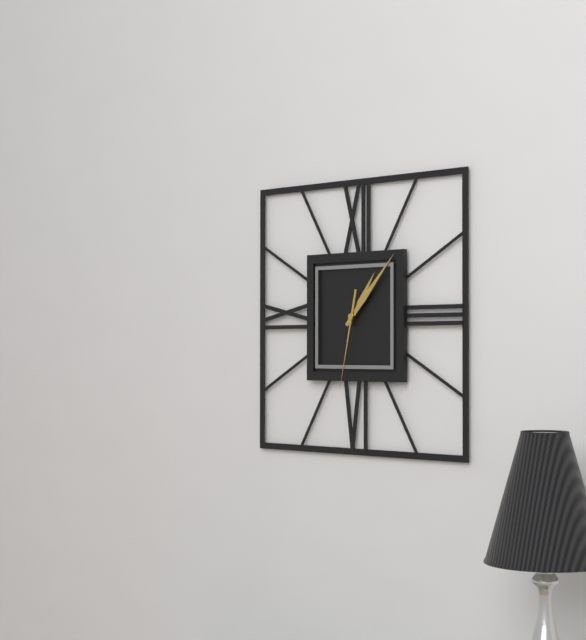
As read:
{"hour": 1, "minute": 7, "second": 32}
